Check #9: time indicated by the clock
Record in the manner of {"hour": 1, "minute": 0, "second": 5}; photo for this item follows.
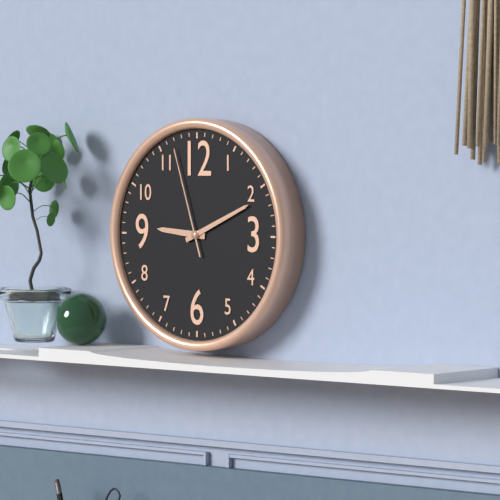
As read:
{"hour": 9, "minute": 11, "second": 57}
